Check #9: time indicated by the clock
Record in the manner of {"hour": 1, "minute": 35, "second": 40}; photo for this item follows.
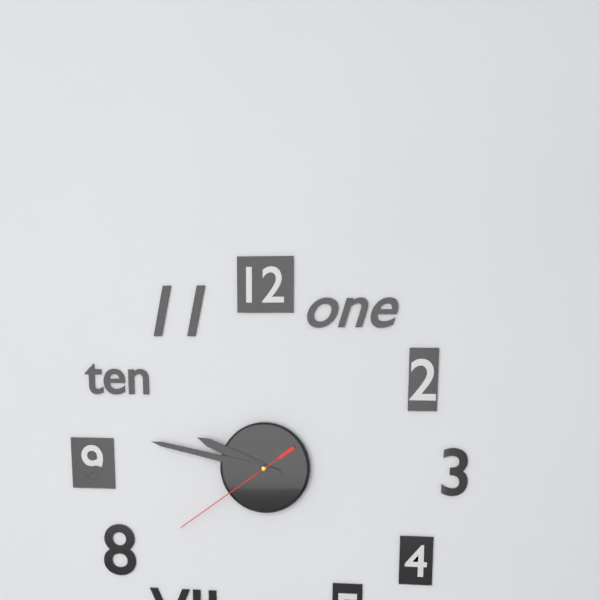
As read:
{"hour": 9, "minute": 47, "second": 39}
